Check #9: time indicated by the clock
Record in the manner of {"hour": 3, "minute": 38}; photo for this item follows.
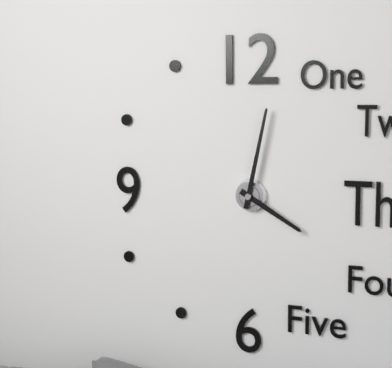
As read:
{"hour": 4, "minute": 2}
